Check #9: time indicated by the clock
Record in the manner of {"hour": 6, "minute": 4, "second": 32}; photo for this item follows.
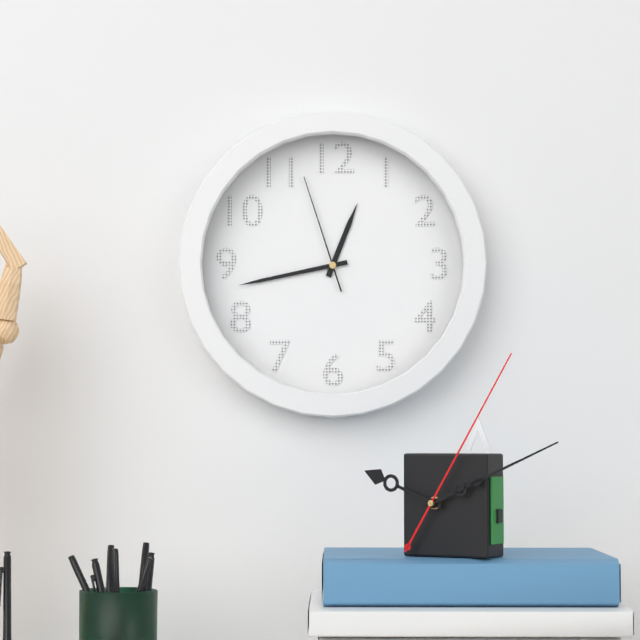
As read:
{"hour": 12, "minute": 43, "second": 57}
